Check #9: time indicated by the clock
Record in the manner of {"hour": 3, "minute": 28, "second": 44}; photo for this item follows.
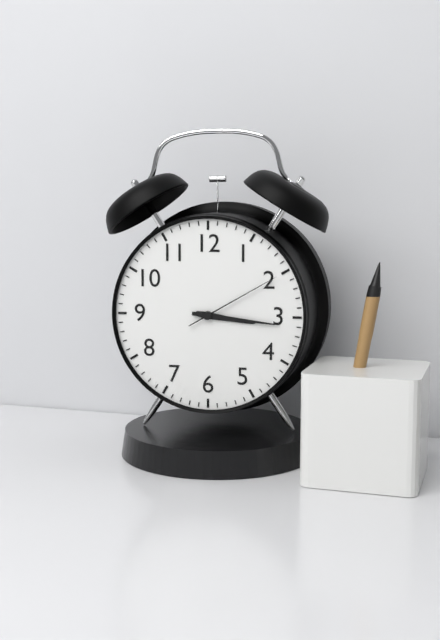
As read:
{"hour": 3, "minute": 16, "second": 10}
